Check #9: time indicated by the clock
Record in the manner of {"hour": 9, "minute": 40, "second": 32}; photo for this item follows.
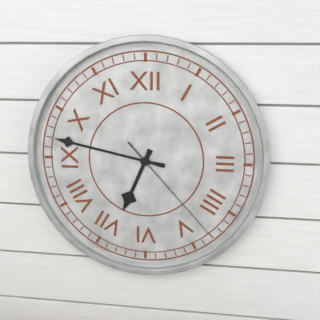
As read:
{"hour": 6, "minute": 47, "second": 23}
